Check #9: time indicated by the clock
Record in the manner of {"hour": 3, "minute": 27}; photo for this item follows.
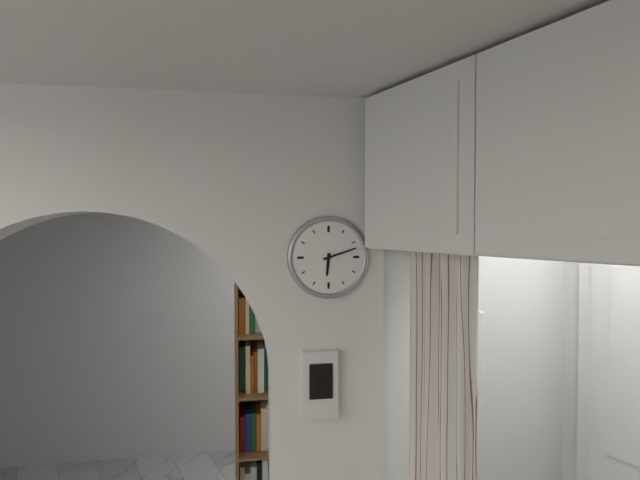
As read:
{"hour": 6, "minute": 12}
